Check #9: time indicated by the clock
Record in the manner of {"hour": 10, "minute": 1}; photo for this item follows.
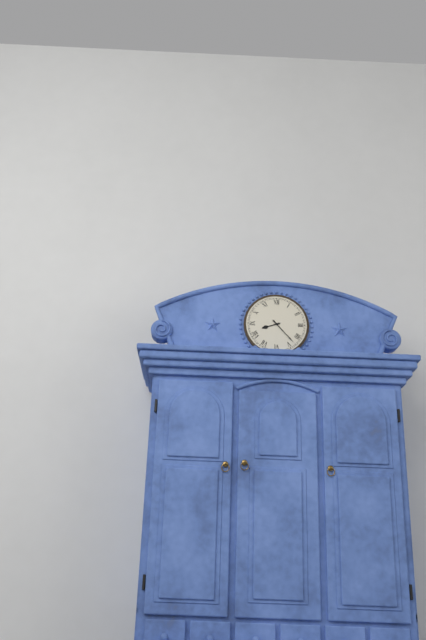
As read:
{"hour": 8, "minute": 23}
